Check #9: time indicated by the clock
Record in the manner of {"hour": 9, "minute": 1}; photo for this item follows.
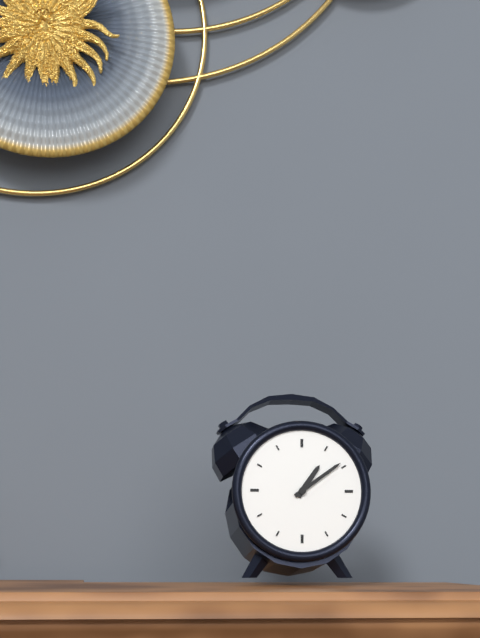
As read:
{"hour": 1, "minute": 9}
